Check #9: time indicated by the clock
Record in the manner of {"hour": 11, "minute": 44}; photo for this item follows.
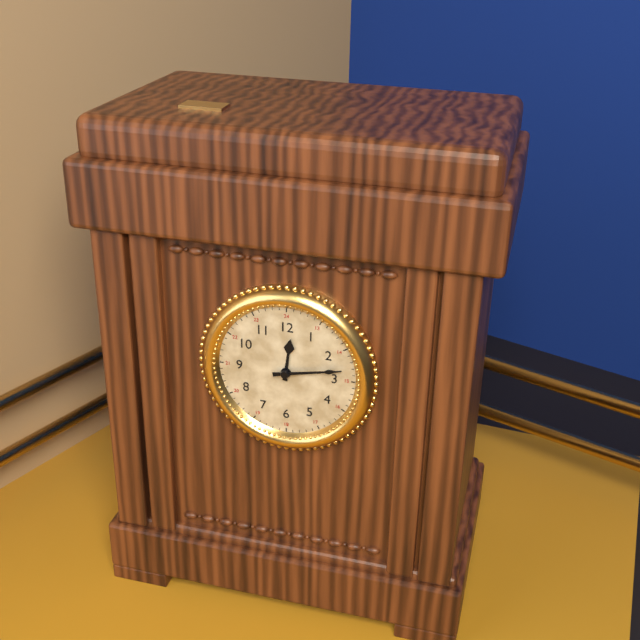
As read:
{"hour": 12, "minute": 13}
